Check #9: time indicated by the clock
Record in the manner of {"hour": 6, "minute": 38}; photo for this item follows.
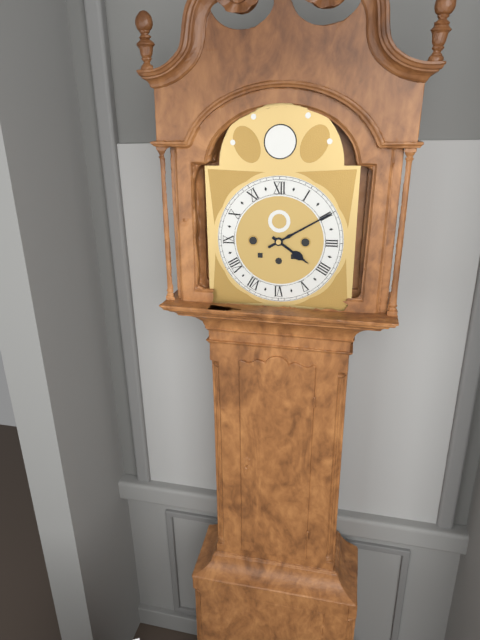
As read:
{"hour": 4, "minute": 10}
